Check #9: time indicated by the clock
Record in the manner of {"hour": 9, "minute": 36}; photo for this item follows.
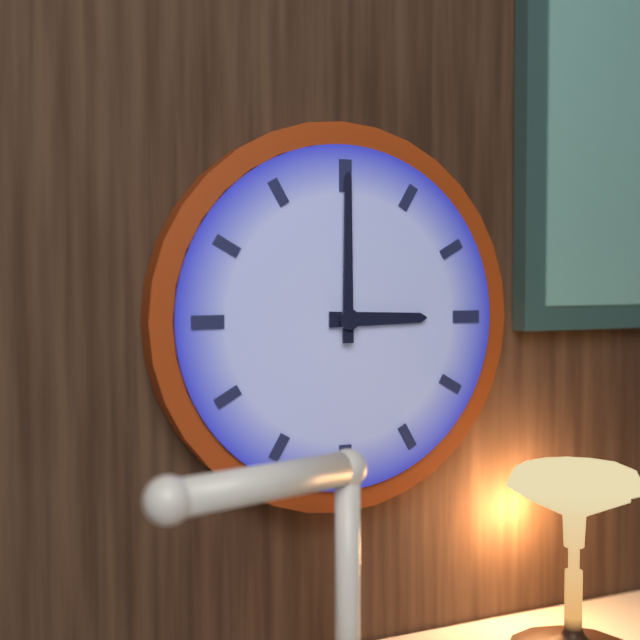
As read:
{"hour": 3, "minute": 0}
